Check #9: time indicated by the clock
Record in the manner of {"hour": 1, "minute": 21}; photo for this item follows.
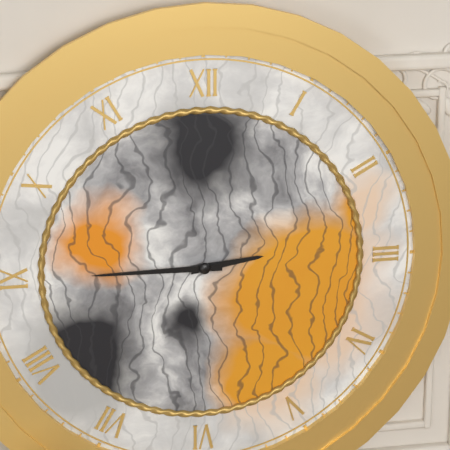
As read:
{"hour": 2, "minute": 45}
